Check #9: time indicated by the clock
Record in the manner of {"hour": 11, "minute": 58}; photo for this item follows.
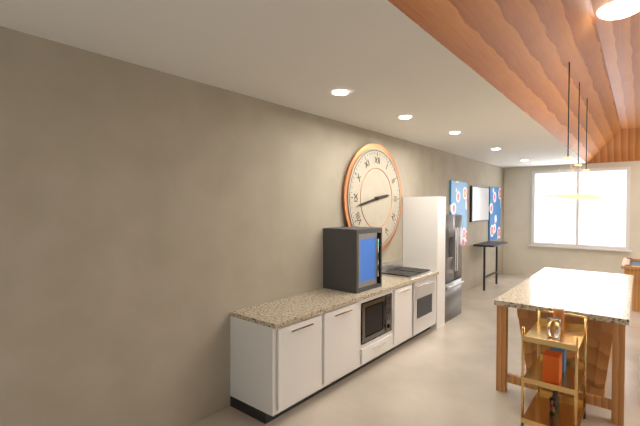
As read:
{"hour": 2, "minute": 43}
